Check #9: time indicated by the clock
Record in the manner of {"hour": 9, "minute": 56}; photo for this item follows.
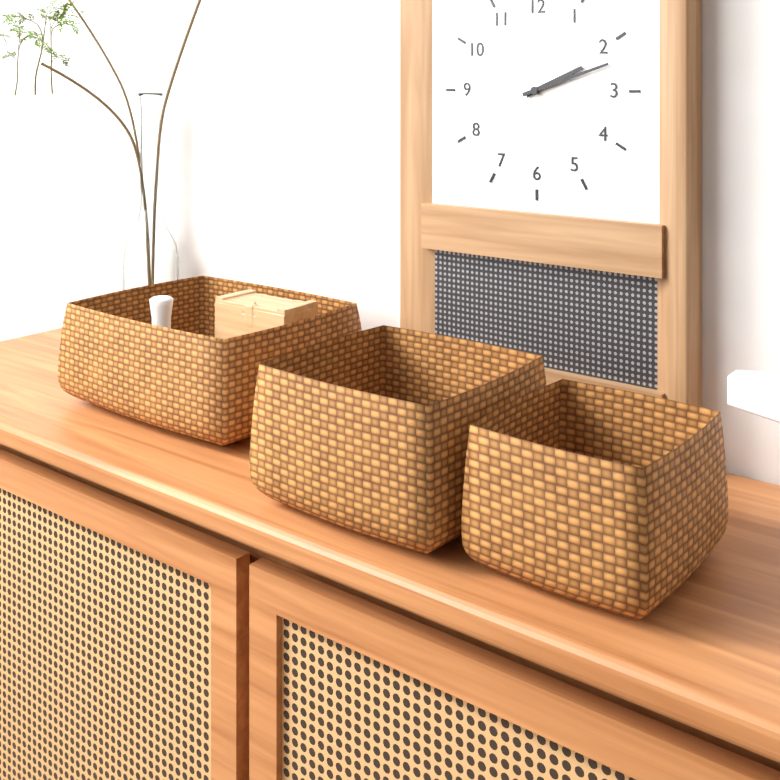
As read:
{"hour": 2, "minute": 12}
